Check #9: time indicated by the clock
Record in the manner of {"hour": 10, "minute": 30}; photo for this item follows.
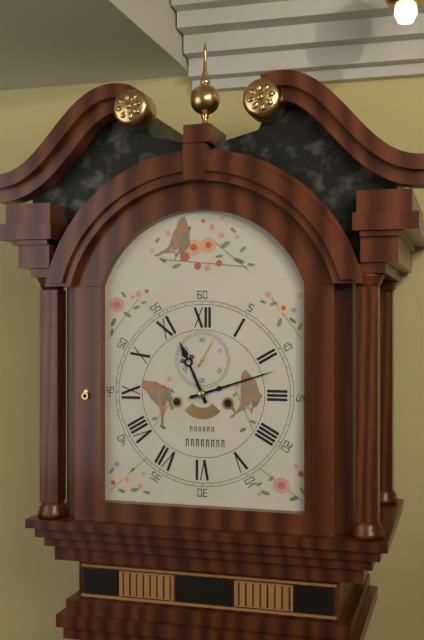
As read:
{"hour": 11, "minute": 12}
